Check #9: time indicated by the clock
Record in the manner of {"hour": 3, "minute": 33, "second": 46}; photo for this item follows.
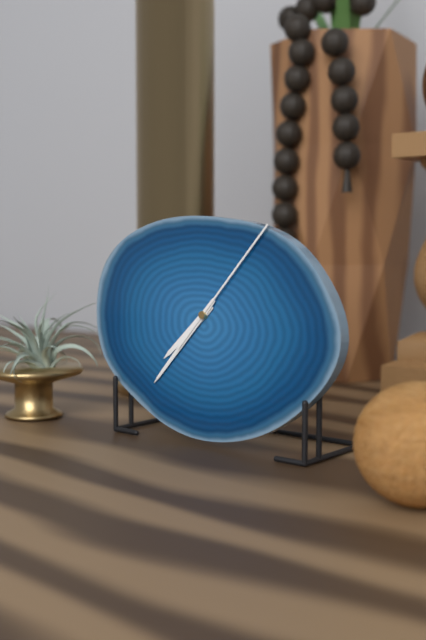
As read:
{"hour": 7, "minute": 37, "second": 7}
